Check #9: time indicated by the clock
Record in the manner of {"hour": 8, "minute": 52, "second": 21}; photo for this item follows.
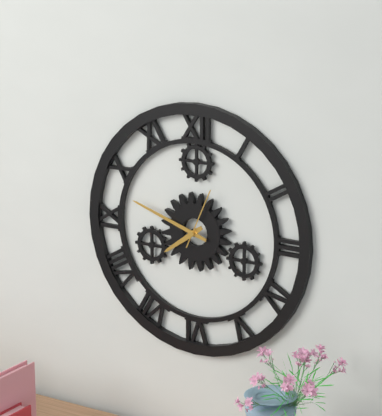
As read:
{"hour": 7, "minute": 48, "second": 4}
